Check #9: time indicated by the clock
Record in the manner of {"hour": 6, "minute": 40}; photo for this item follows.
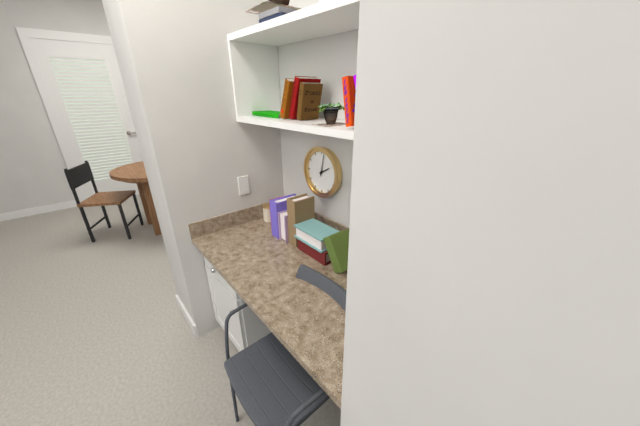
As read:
{"hour": 2, "minute": 2}
